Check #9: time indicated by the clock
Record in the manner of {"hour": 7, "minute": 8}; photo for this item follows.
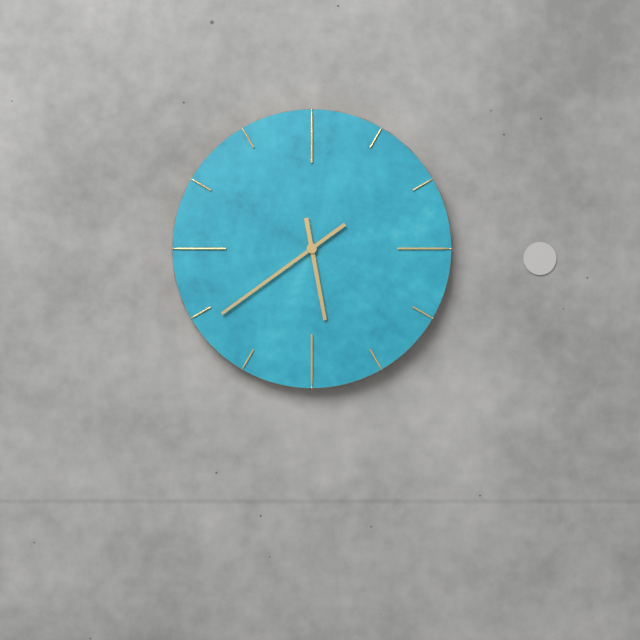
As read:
{"hour": 5, "minute": 39}
